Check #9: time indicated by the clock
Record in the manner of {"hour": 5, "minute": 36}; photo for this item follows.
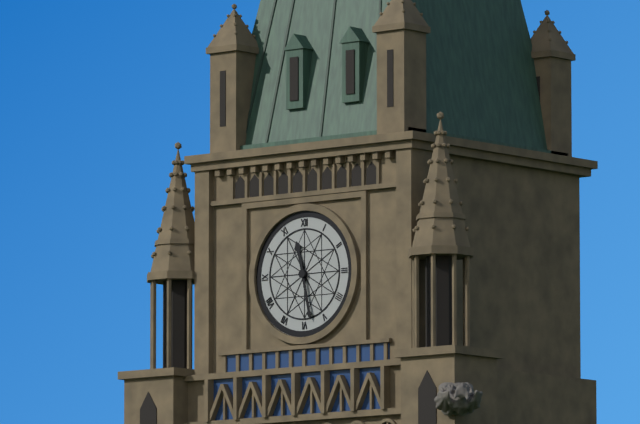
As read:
{"hour": 11, "minute": 28}
